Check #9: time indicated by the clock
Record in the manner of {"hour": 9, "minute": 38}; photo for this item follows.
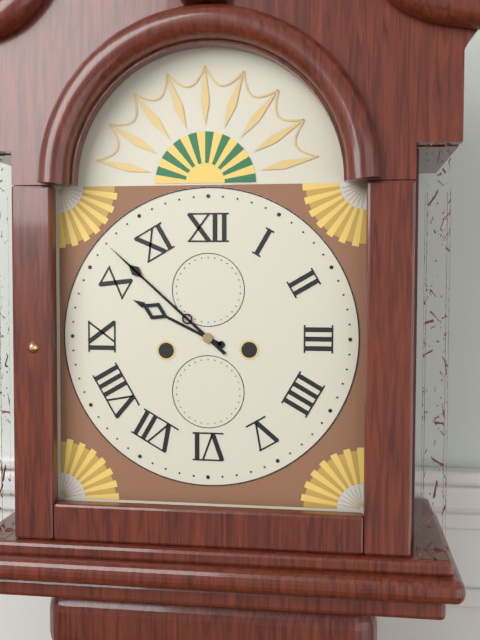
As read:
{"hour": 9, "minute": 52}
